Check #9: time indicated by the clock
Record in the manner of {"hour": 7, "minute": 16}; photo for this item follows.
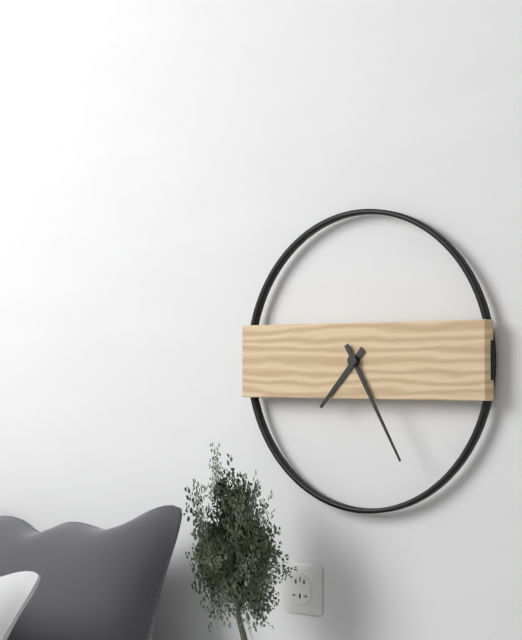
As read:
{"hour": 7, "minute": 25}
